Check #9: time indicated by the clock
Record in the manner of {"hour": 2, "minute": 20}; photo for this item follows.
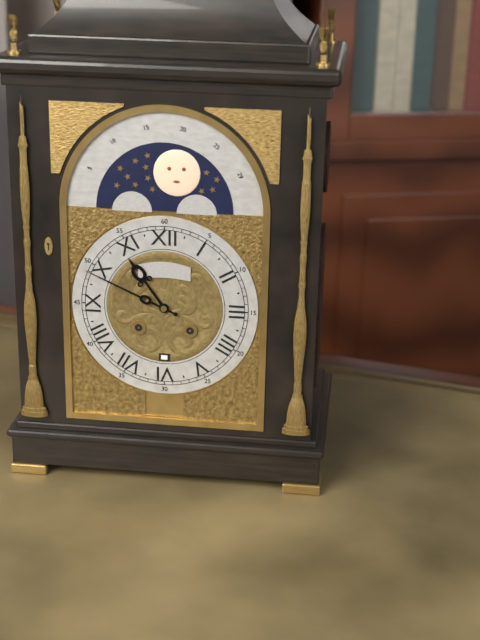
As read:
{"hour": 10, "minute": 49}
